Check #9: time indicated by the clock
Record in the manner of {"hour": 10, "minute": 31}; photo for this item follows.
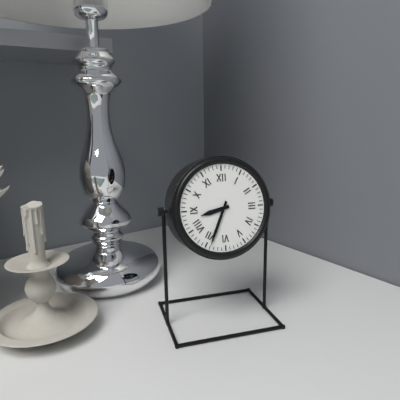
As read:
{"hour": 8, "minute": 34}
